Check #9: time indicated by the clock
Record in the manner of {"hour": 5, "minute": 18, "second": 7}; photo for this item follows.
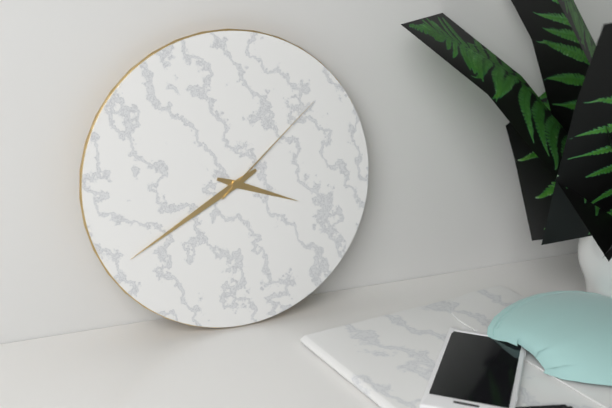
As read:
{"hour": 3, "minute": 40, "second": 8}
